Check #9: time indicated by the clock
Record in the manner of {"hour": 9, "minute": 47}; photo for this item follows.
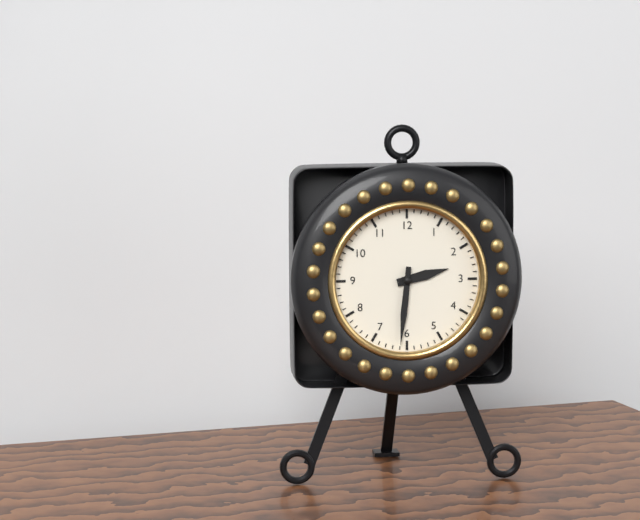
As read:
{"hour": 2, "minute": 31}
